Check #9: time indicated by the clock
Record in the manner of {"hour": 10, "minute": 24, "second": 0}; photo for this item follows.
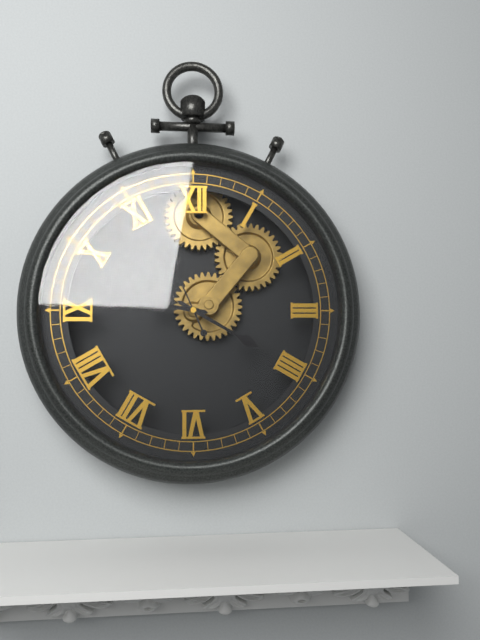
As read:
{"hour": 9, "minute": 20, "second": 56}
